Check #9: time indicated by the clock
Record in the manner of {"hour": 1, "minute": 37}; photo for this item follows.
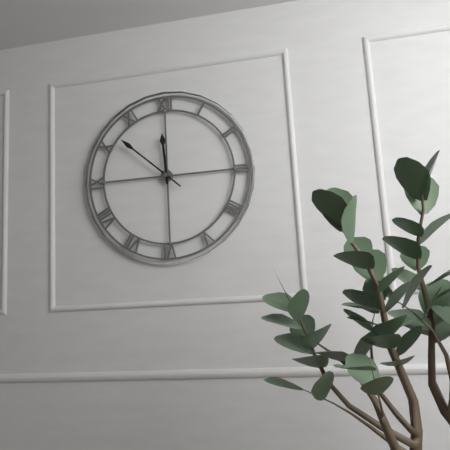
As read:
{"hour": 11, "minute": 52}
